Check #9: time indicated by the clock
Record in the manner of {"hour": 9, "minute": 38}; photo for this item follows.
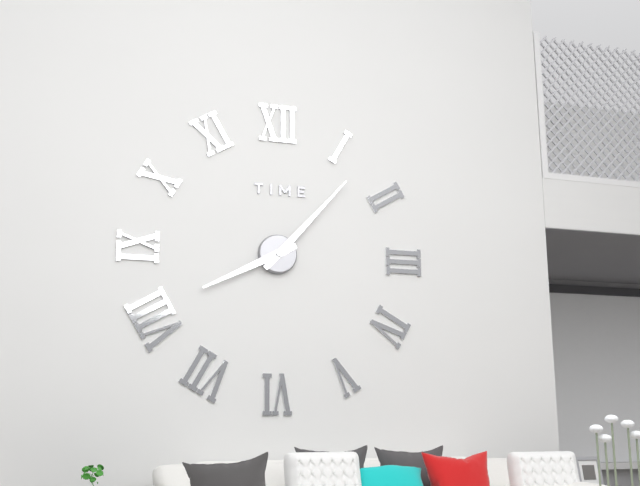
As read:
{"hour": 8, "minute": 7}
